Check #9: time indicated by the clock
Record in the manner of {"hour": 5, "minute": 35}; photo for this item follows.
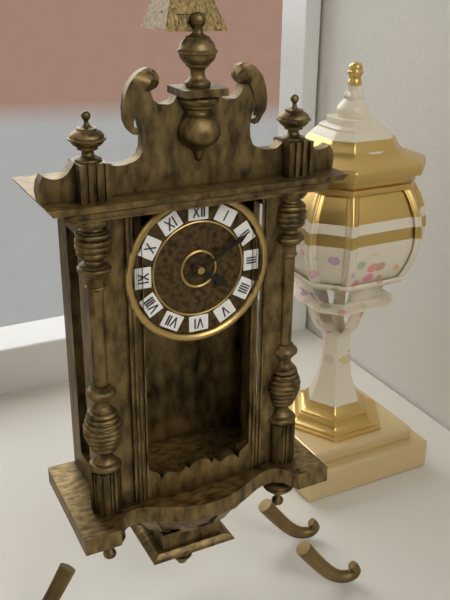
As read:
{"hour": 4, "minute": 10}
